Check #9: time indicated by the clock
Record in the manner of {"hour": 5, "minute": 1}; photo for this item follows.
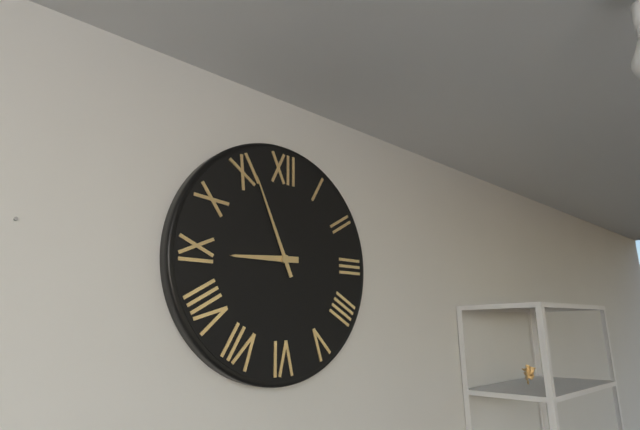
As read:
{"hour": 8, "minute": 56}
